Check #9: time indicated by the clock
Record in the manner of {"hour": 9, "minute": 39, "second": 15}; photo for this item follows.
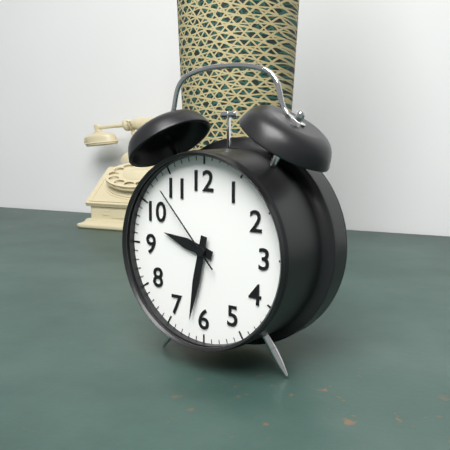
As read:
{"hour": 9, "minute": 32, "second": 53}
